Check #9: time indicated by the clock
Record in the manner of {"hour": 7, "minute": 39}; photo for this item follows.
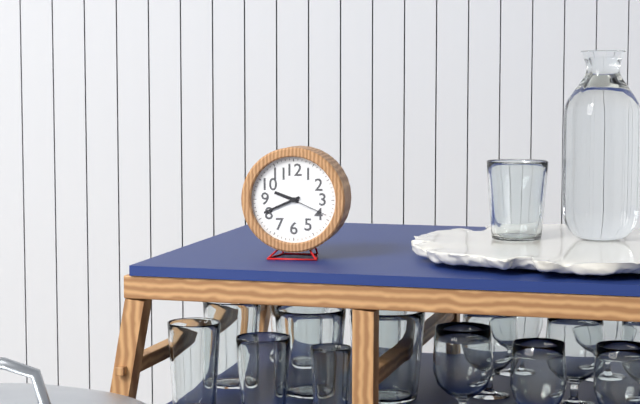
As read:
{"hour": 9, "minute": 41}
